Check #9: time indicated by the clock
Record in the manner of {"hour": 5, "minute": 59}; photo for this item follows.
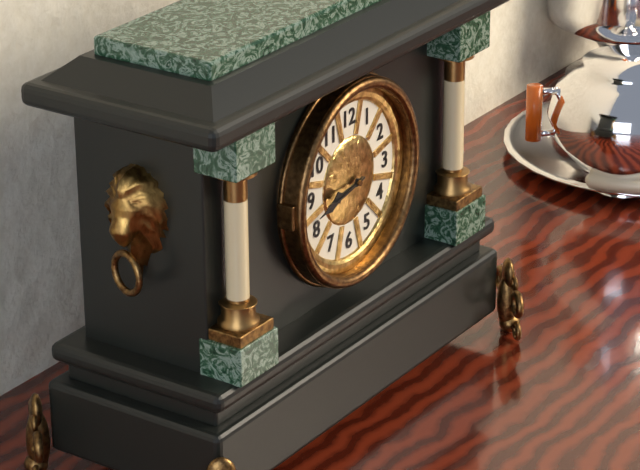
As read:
{"hour": 8, "minute": 43}
